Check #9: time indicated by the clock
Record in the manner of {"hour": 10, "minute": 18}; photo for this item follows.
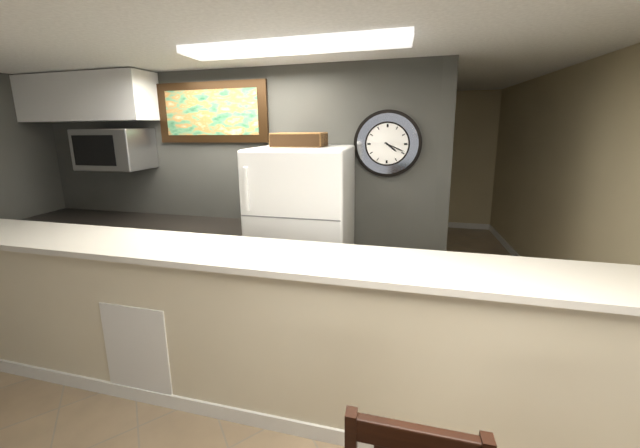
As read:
{"hour": 4, "minute": 19}
